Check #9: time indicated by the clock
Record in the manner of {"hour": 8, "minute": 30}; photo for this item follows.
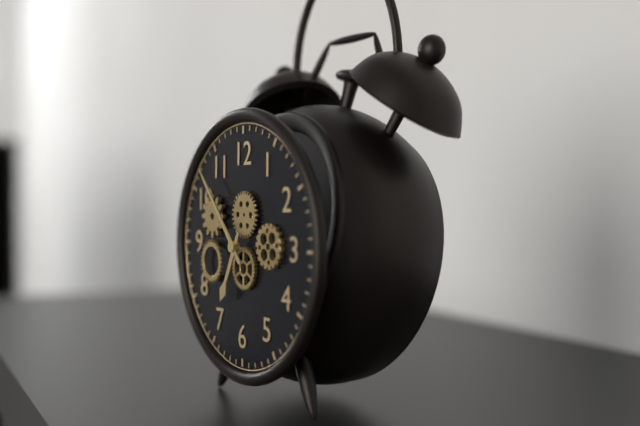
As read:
{"hour": 6, "minute": 53}
